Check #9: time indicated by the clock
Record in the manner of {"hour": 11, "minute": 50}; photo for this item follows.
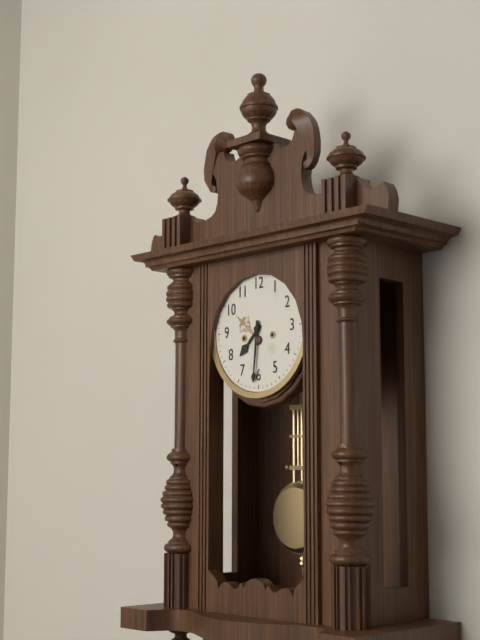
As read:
{"hour": 7, "minute": 31}
